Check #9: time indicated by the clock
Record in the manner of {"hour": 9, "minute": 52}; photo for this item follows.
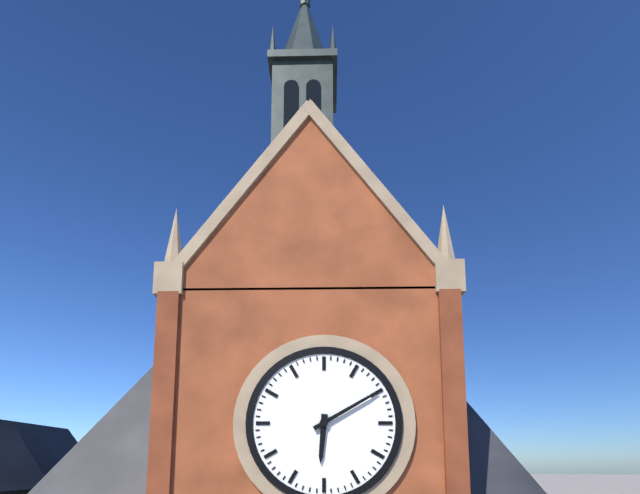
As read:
{"hour": 6, "minute": 10}
